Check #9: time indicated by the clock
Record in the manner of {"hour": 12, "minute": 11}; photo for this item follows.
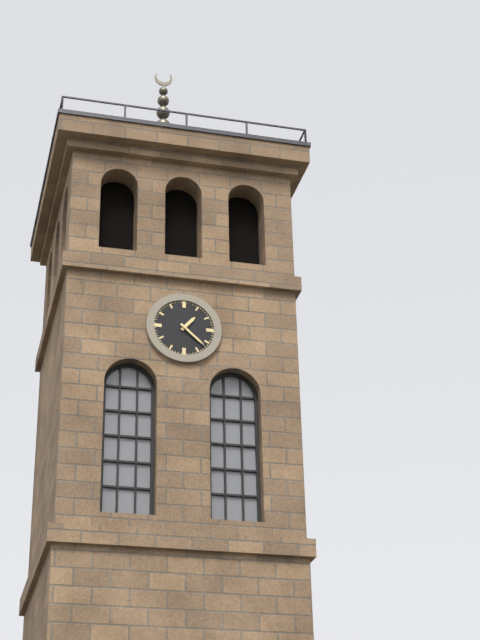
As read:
{"hour": 1, "minute": 22}
